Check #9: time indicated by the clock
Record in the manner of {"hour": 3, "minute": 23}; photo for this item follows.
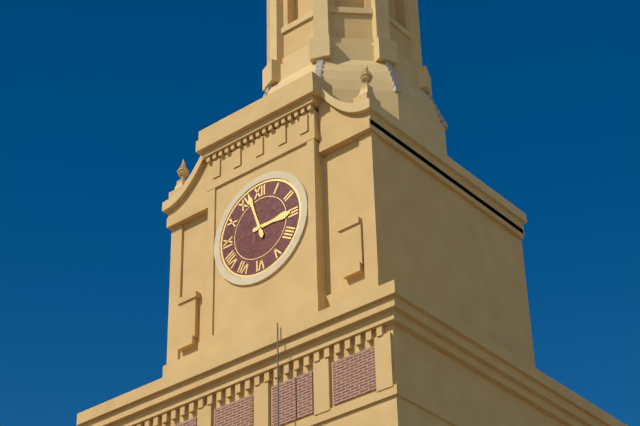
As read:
{"hour": 2, "minute": 57}
